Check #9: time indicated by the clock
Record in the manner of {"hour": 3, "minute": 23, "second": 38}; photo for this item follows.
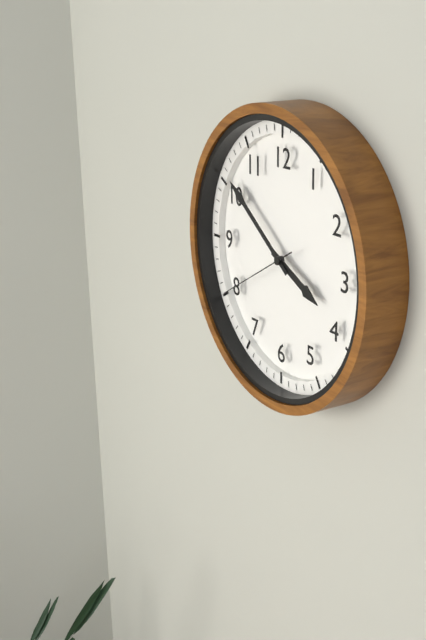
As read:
{"hour": 3, "minute": 51, "second": 40}
